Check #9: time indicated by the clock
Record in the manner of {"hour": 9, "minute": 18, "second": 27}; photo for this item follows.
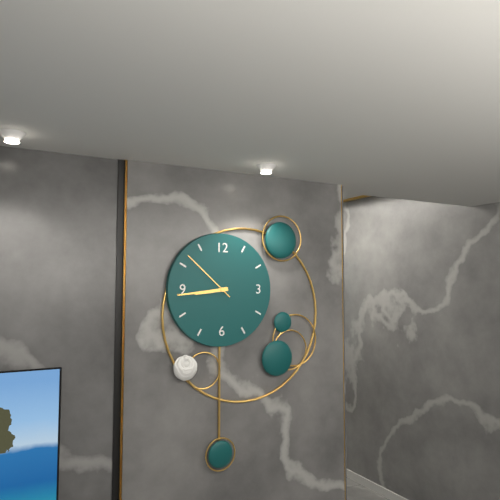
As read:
{"hour": 8, "minute": 44, "second": 52}
